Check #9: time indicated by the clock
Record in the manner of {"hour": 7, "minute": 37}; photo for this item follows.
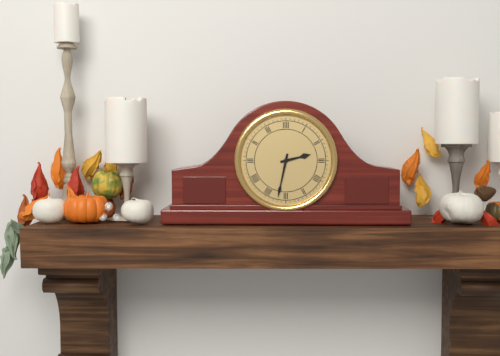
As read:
{"hour": 2, "minute": 32}
